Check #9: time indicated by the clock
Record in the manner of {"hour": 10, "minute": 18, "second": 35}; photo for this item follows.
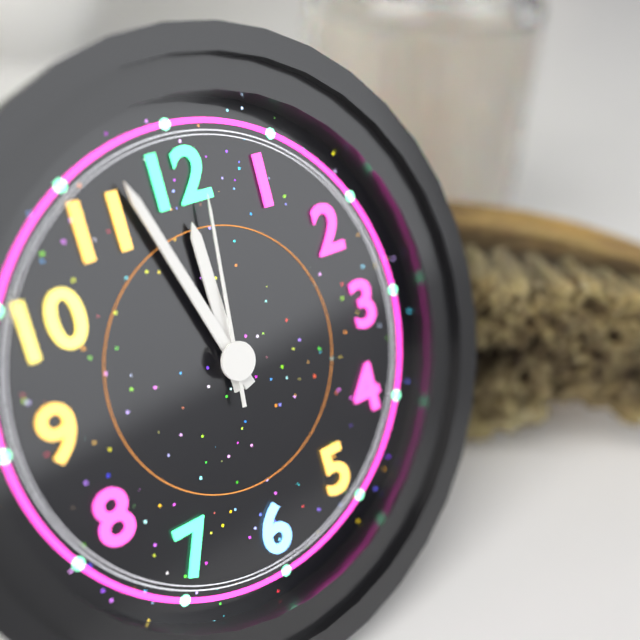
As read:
{"hour": 11, "minute": 57, "second": 1}
